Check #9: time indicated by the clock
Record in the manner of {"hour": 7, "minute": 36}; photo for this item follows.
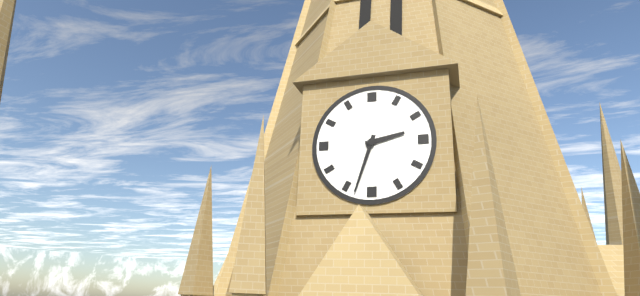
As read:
{"hour": 2, "minute": 33}
